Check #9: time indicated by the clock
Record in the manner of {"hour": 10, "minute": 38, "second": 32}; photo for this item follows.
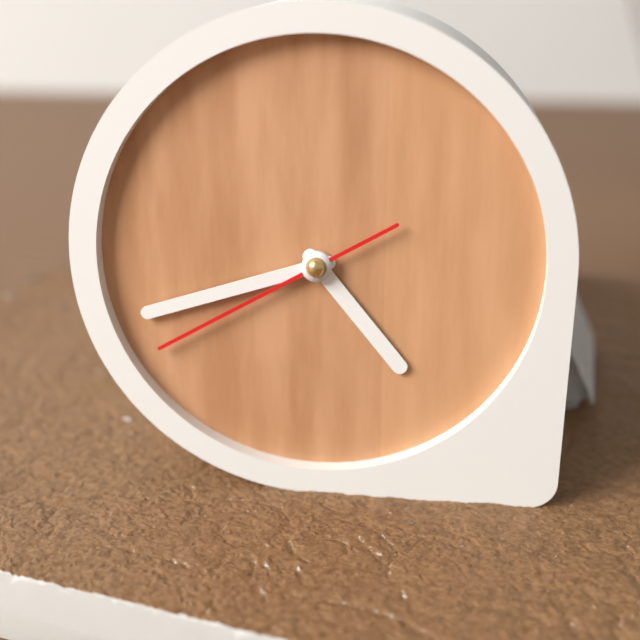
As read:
{"hour": 4, "minute": 42, "second": 40}
